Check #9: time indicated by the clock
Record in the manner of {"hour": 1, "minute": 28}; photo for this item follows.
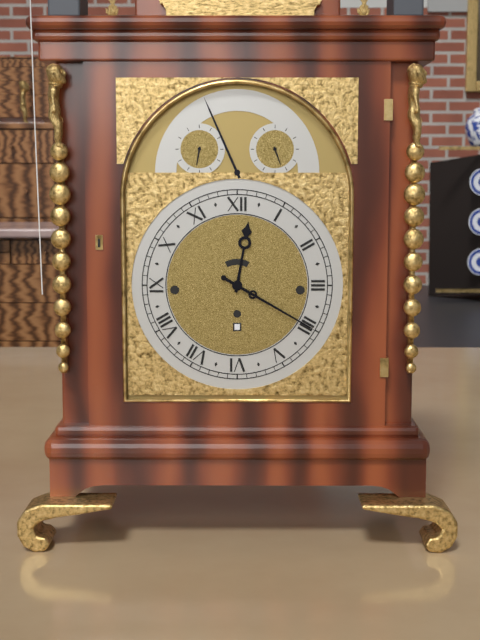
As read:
{"hour": 12, "minute": 20}
